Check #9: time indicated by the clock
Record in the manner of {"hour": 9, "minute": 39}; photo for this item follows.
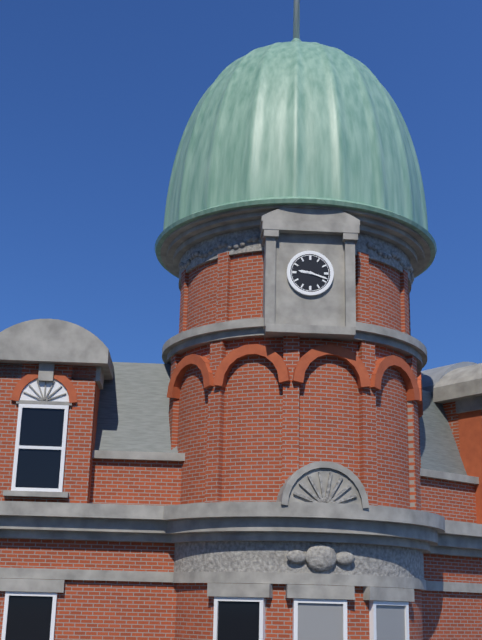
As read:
{"hour": 9, "minute": 18}
